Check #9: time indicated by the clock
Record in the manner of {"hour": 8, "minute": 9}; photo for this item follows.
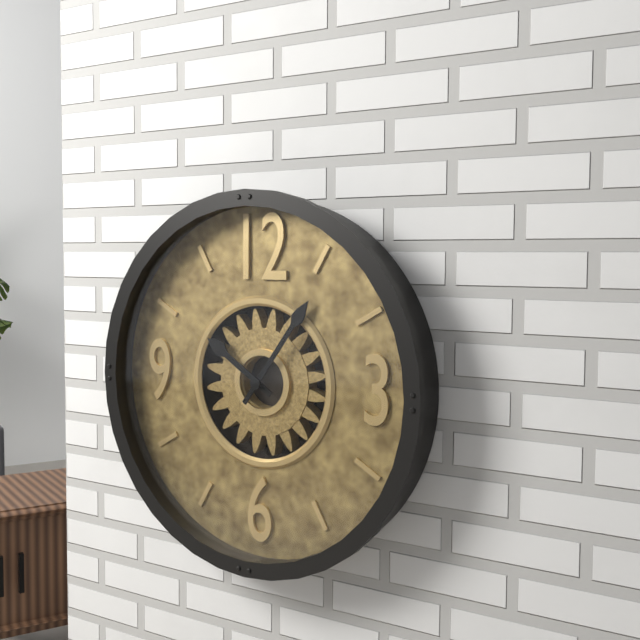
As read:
{"hour": 10, "minute": 6}
